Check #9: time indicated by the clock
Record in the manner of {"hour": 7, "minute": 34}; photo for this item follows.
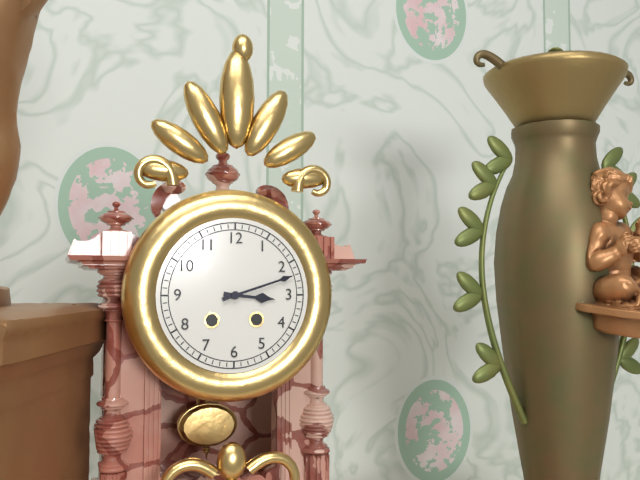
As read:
{"hour": 3, "minute": 12}
